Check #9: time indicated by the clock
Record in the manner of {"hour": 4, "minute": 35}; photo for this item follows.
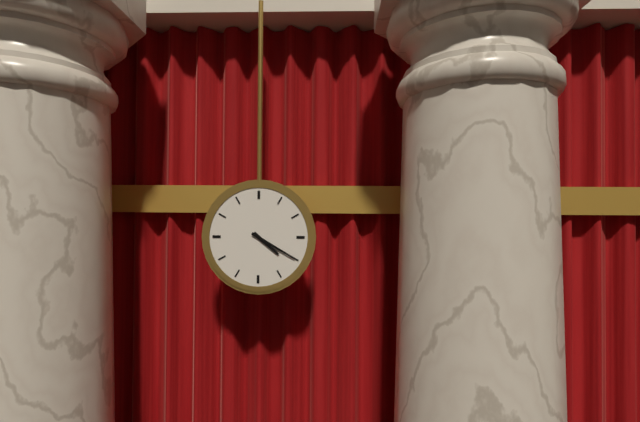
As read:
{"hour": 4, "minute": 20}
